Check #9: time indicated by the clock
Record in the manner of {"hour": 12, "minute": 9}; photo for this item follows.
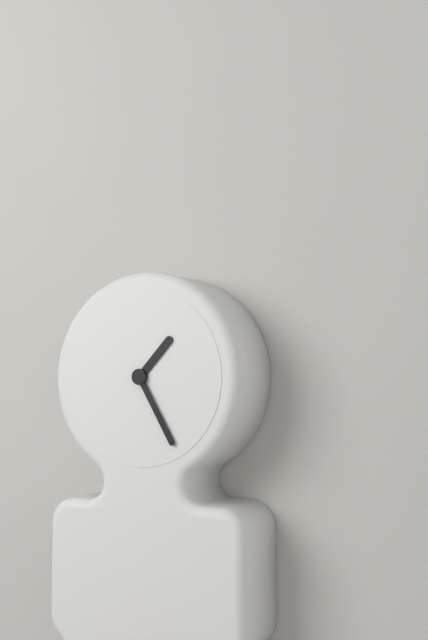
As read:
{"hour": 1, "minute": 25}
